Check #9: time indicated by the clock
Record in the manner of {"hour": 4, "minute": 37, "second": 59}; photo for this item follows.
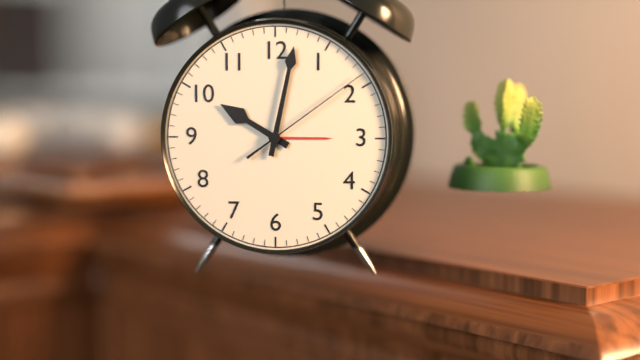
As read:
{"hour": 10, "minute": 2, "second": 9}
